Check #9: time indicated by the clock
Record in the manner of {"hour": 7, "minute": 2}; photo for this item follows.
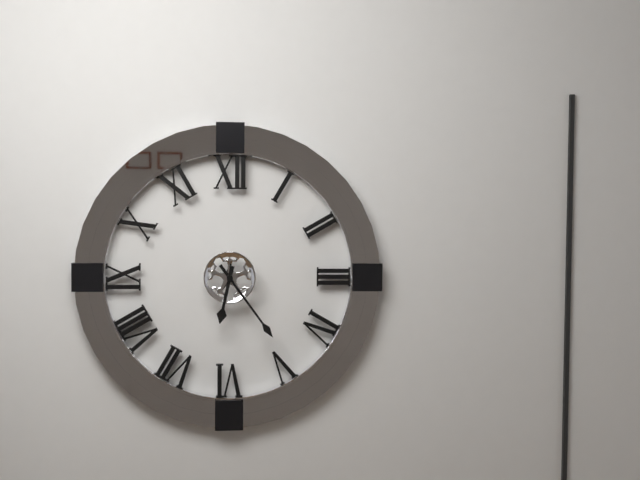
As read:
{"hour": 6, "minute": 24}
